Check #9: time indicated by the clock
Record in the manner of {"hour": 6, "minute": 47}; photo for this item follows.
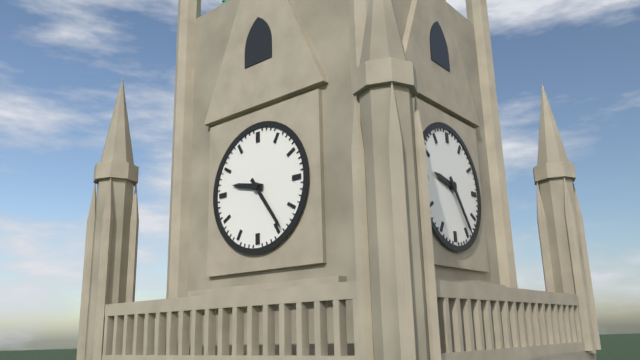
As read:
{"hour": 9, "minute": 24}
